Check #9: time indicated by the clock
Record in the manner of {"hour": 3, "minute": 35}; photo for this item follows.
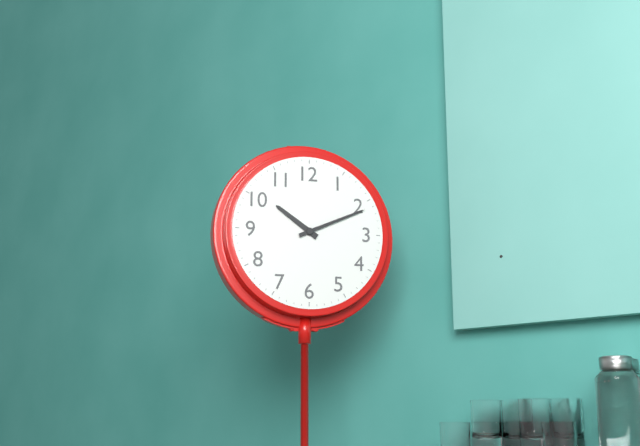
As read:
{"hour": 10, "minute": 11}
